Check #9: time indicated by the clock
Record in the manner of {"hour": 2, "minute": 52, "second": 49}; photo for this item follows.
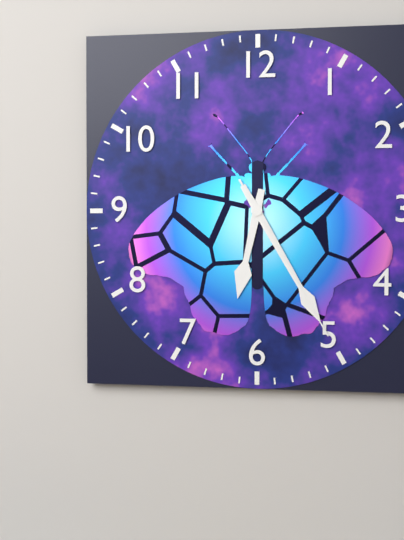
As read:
{"hour": 6, "minute": 25, "second": 25}
